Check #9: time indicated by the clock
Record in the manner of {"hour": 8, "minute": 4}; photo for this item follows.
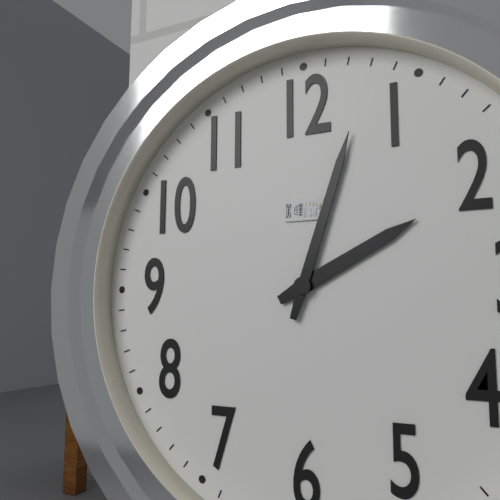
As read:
{"hour": 2, "minute": 3}
